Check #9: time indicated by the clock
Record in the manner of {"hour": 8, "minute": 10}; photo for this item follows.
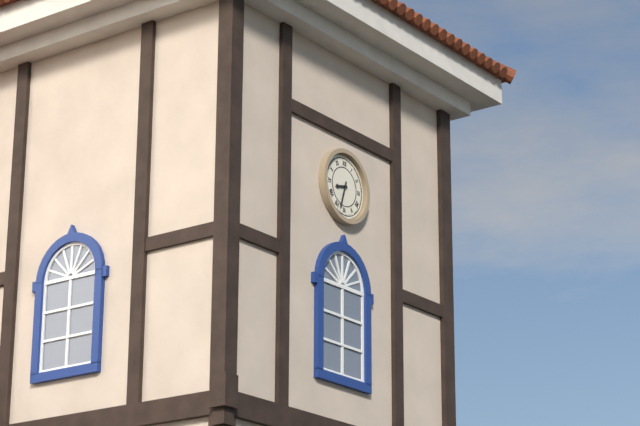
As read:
{"hour": 8, "minute": 33}
